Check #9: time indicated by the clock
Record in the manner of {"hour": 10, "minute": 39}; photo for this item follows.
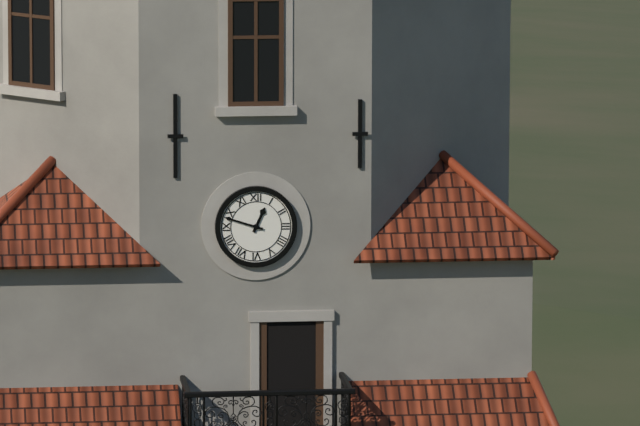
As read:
{"hour": 12, "minute": 48}
